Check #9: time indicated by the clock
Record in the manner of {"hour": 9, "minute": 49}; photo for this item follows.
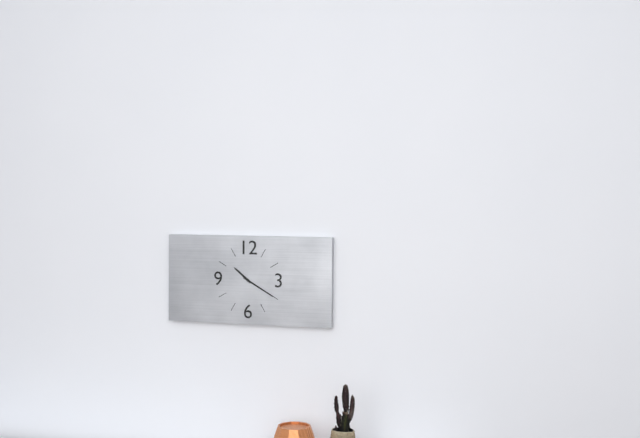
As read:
{"hour": 10, "minute": 20}
